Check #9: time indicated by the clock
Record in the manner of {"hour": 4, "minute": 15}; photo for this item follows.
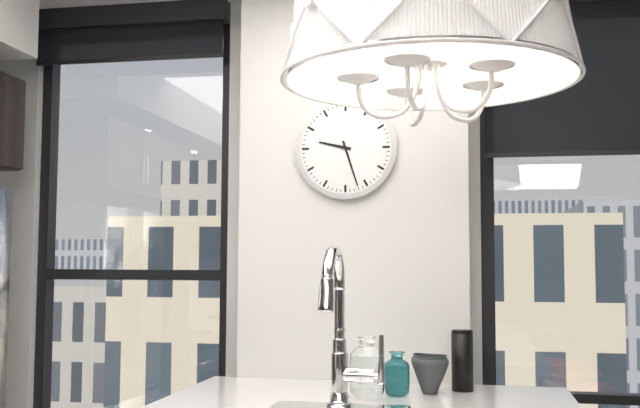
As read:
{"hour": 9, "minute": 27}
